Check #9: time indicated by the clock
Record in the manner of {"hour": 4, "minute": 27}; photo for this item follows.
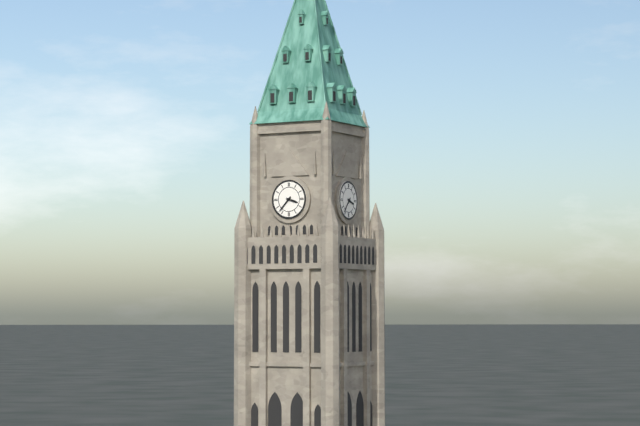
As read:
{"hour": 3, "minute": 37}
